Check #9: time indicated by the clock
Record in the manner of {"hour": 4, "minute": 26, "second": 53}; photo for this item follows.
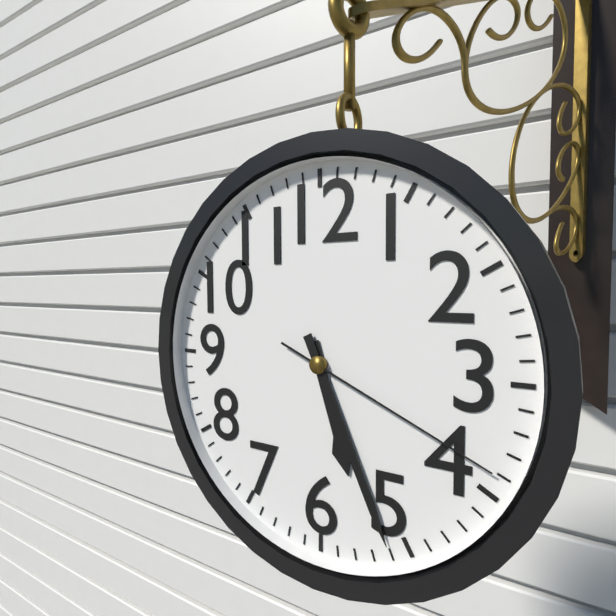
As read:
{"hour": 5, "minute": 26, "second": 19}
